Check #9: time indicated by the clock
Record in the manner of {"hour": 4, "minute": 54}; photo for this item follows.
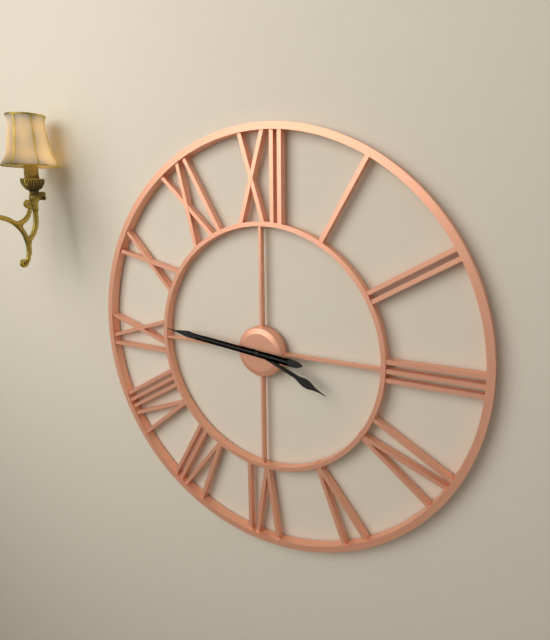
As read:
{"hour": 3, "minute": 46}
